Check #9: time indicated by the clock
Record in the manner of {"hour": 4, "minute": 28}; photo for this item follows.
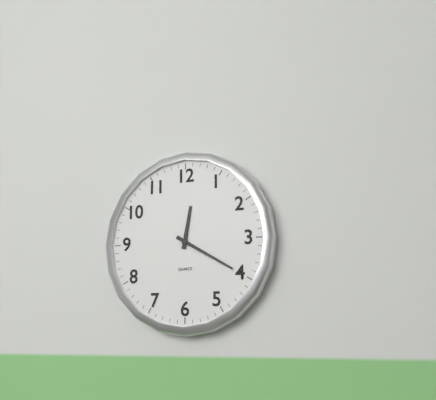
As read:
{"hour": 12, "minute": 20}
